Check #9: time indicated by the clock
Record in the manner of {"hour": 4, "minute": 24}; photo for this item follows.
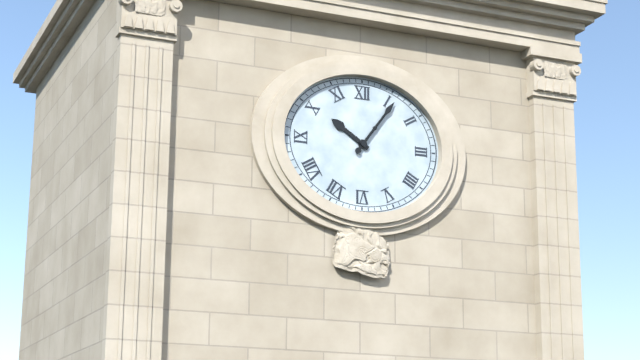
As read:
{"hour": 10, "minute": 6}
